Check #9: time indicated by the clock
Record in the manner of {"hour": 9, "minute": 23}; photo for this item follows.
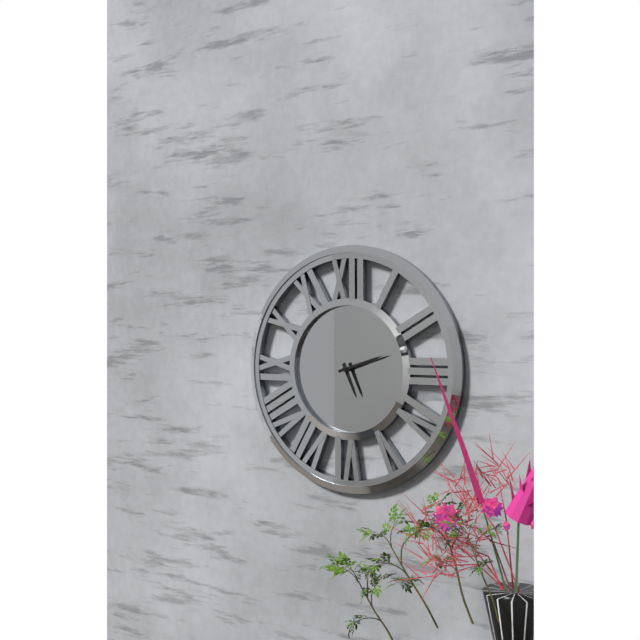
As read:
{"hour": 5, "minute": 12}
